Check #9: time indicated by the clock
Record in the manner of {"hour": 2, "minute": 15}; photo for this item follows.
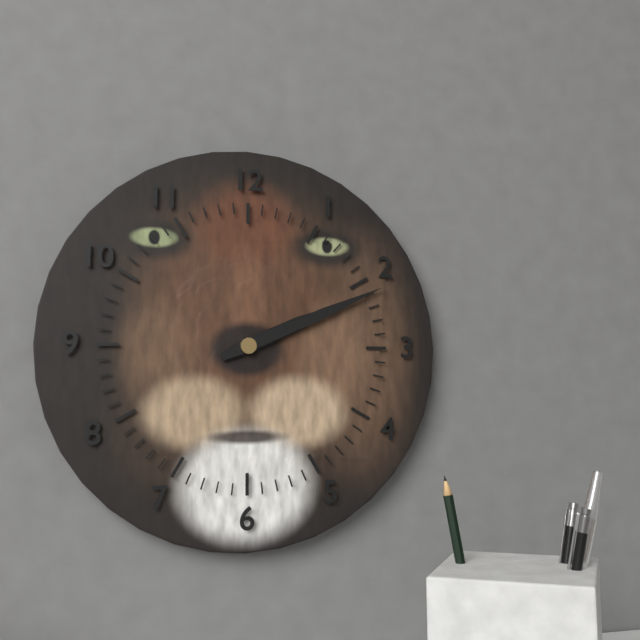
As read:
{"hour": 2, "minute": 11}
